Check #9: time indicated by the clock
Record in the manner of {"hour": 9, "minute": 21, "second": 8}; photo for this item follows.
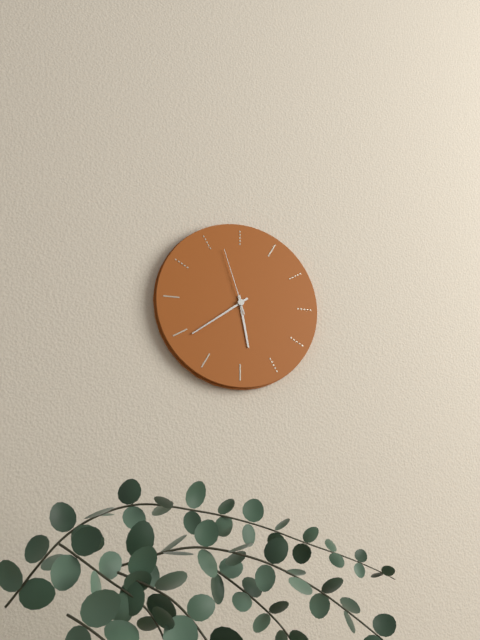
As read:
{"hour": 5, "minute": 39, "second": 57}
